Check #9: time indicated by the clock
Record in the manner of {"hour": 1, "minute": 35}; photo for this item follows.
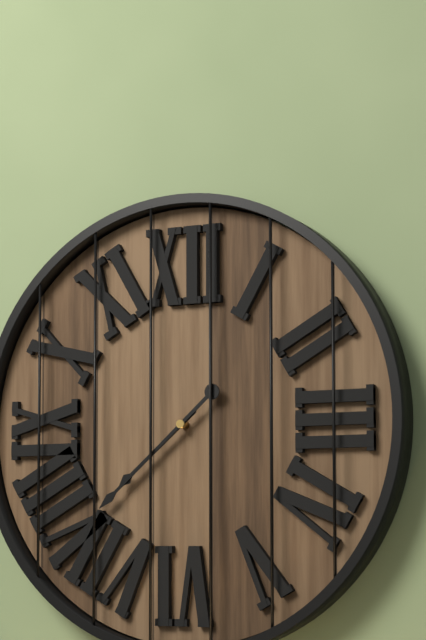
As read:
{"hour": 7, "minute": 38}
